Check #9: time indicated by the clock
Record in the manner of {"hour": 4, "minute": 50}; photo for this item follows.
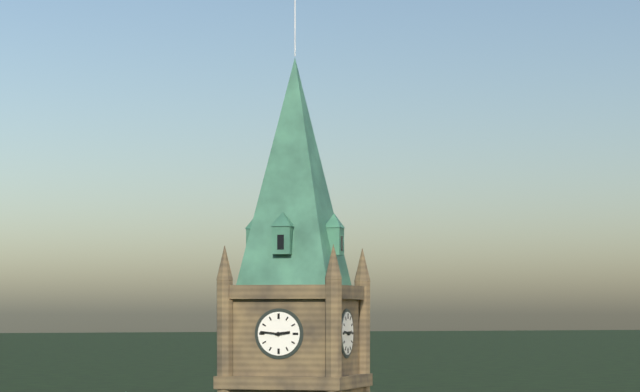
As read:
{"hour": 2, "minute": 46}
